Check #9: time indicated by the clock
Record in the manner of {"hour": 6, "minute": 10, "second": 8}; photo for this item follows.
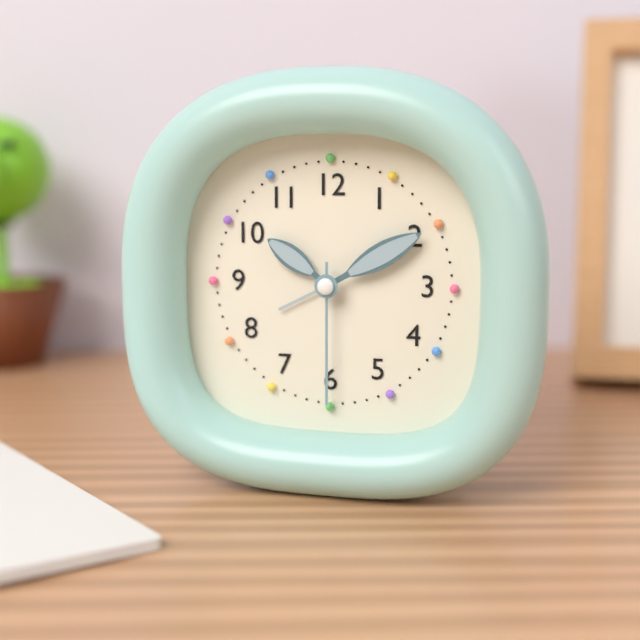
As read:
{"hour": 10, "minute": 10, "second": 30}
